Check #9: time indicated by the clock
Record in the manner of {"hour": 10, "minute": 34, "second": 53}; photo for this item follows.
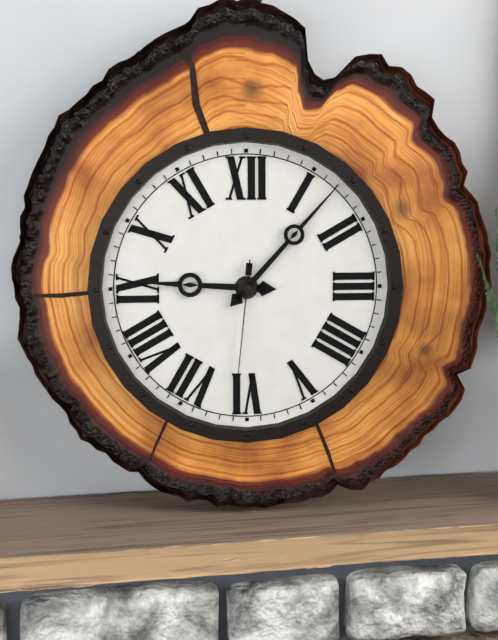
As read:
{"hour": 9, "minute": 7, "second": 31}
